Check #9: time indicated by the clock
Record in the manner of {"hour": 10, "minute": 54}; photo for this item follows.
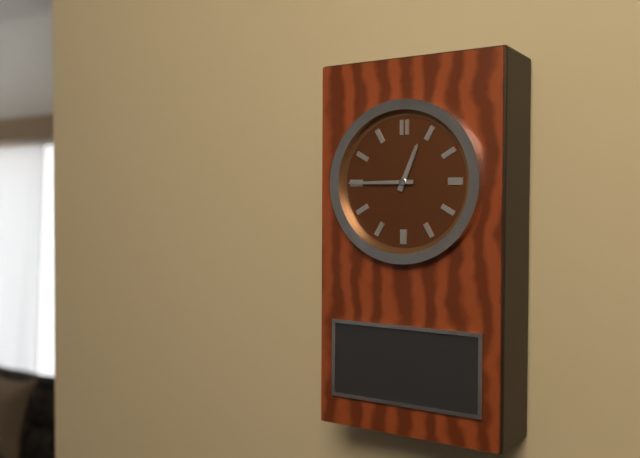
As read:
{"hour": 12, "minute": 45}
